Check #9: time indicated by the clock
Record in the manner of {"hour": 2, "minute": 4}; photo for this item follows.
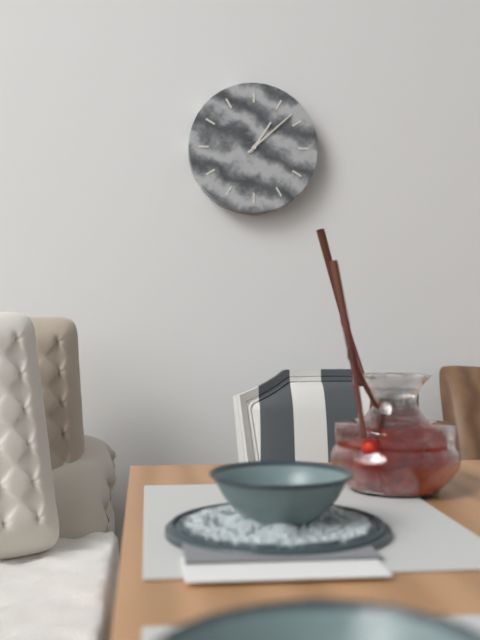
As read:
{"hour": 1, "minute": 8}
